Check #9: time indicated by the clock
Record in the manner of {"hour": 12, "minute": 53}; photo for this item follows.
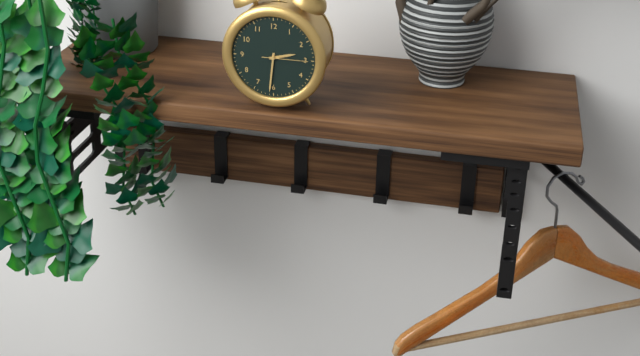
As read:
{"hour": 2, "minute": 31}
